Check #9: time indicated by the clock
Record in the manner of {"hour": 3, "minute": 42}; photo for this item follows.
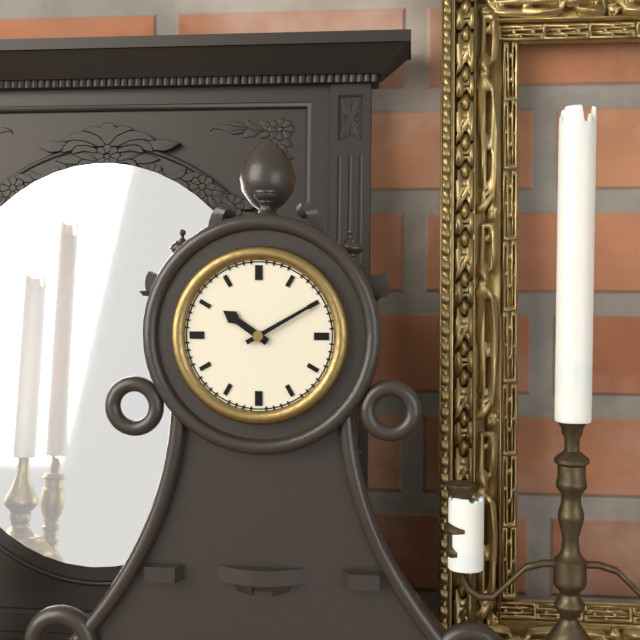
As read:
{"hour": 10, "minute": 10}
